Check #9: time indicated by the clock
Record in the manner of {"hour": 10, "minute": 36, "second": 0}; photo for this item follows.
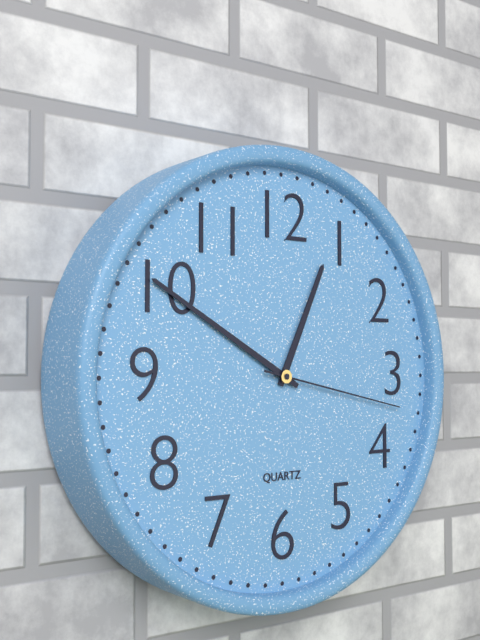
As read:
{"hour": 12, "minute": 50, "second": 17}
